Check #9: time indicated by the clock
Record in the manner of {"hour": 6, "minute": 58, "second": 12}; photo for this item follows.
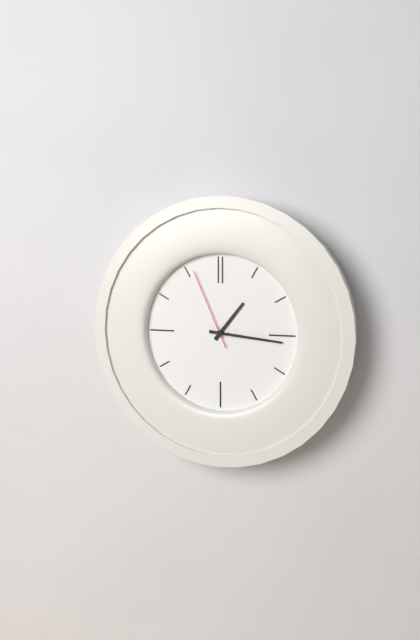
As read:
{"hour": 1, "minute": 16, "second": 56}
